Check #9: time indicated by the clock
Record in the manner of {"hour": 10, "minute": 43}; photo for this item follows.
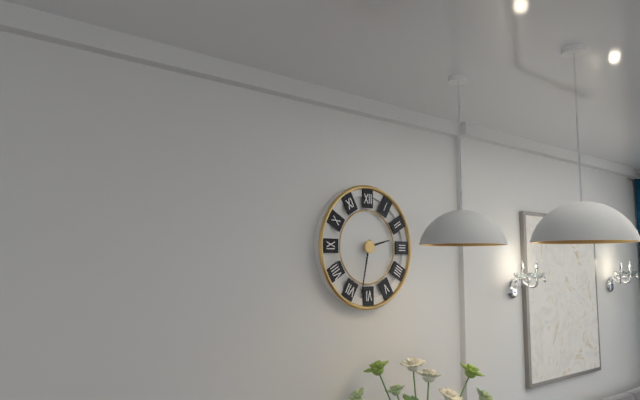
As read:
{"hour": 2, "minute": 32}
